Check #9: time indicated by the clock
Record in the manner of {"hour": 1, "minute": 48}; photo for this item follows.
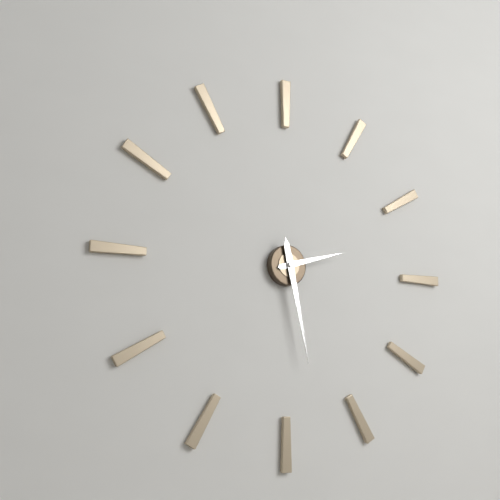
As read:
{"hour": 2, "minute": 28}
